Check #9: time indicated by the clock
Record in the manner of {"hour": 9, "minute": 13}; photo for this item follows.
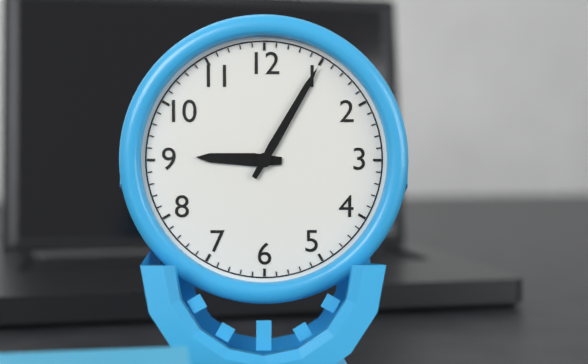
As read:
{"hour": 9, "minute": 5}
